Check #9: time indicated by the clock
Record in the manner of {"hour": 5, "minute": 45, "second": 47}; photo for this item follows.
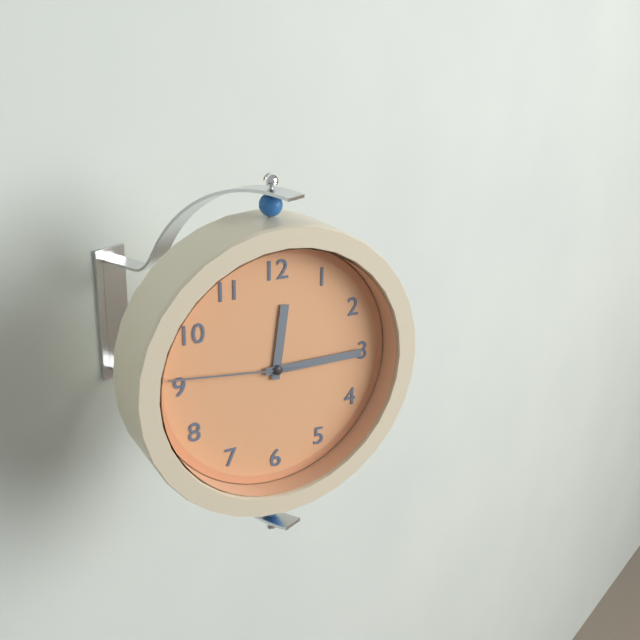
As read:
{"hour": 12, "minute": 15, "second": 46}
